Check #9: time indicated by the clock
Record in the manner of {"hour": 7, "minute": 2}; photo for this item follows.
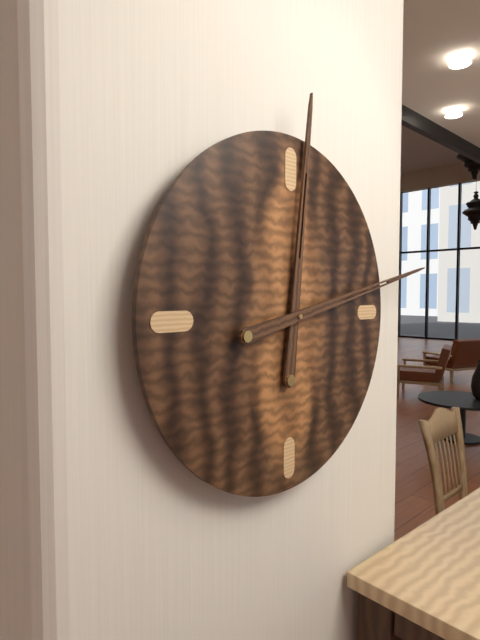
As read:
{"hour": 12, "minute": 13}
